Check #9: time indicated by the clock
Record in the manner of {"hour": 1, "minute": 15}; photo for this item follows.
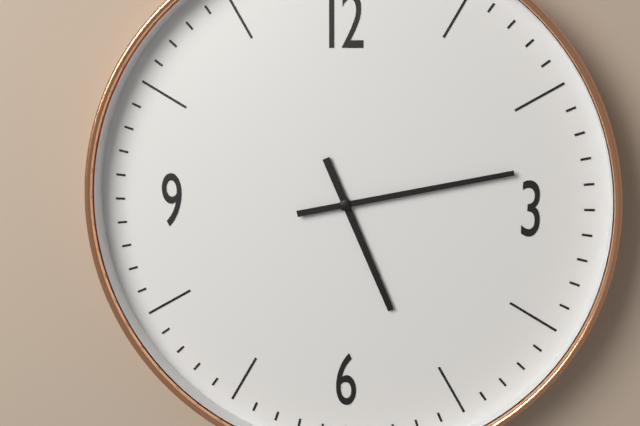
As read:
{"hour": 5, "minute": 13}
